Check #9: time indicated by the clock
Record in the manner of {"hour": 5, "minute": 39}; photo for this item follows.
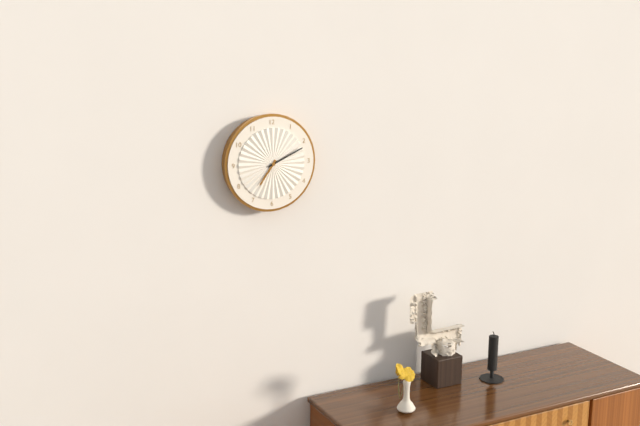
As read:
{"hour": 7, "minute": 11}
